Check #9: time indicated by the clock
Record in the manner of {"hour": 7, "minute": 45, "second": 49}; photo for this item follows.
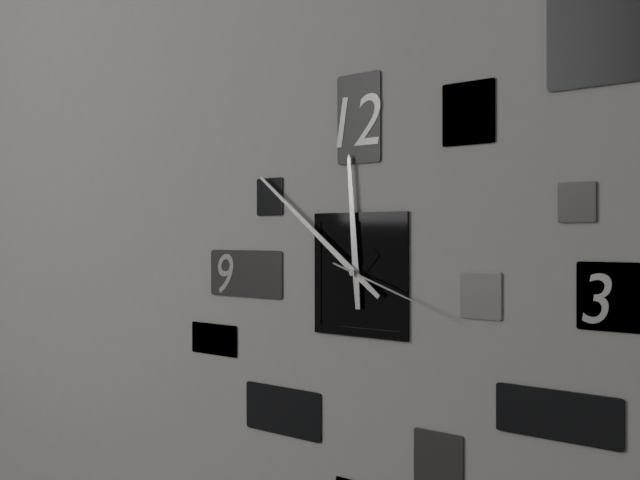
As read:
{"hour": 11, "minute": 51, "second": 18}
